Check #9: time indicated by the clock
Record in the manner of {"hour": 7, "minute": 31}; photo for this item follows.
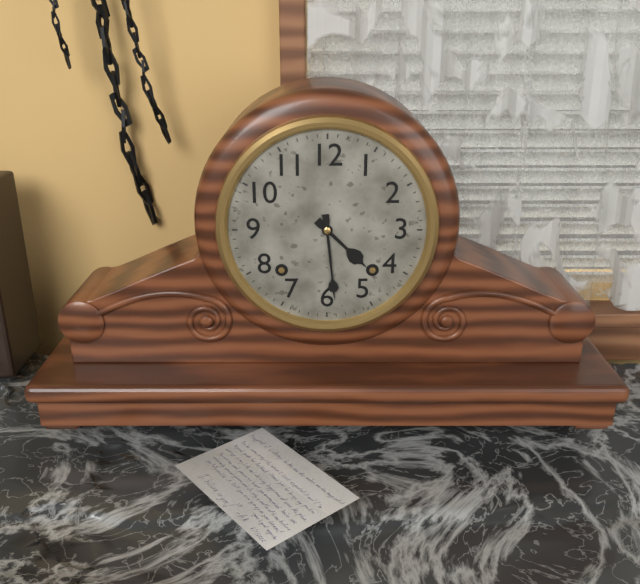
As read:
{"hour": 4, "minute": 29}
